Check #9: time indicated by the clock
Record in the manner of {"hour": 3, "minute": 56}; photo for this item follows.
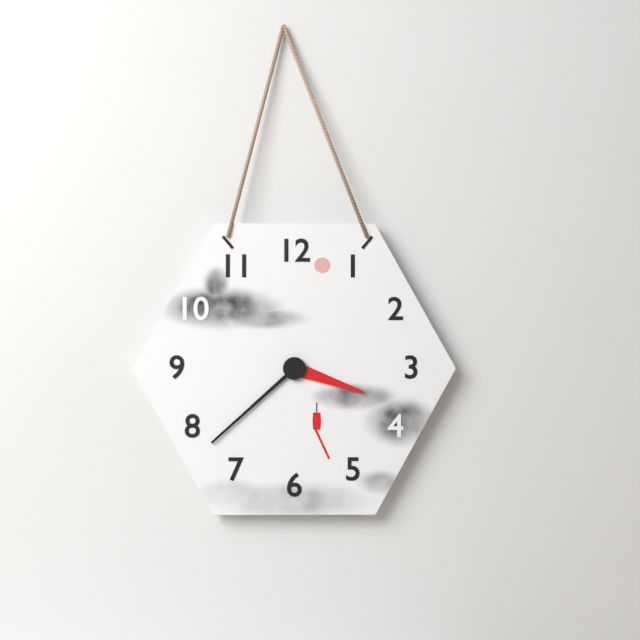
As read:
{"hour": 3, "minute": 38}
